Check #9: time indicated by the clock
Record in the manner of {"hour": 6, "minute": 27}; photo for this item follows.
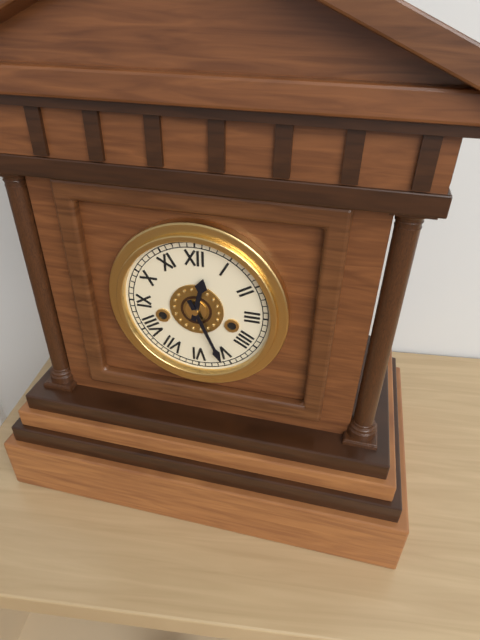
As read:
{"hour": 12, "minute": 26}
